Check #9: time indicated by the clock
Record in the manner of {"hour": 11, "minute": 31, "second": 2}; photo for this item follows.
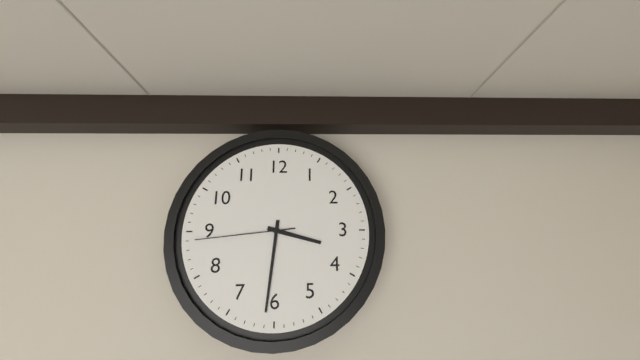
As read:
{"hour": 3, "minute": 31, "second": 44}
